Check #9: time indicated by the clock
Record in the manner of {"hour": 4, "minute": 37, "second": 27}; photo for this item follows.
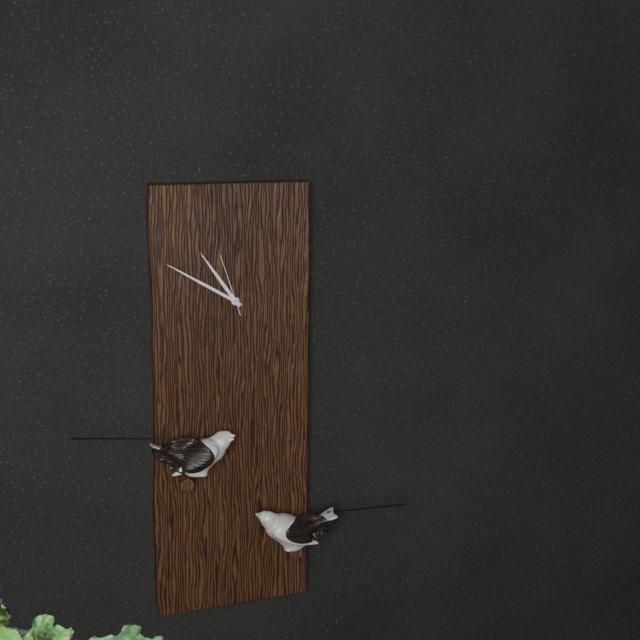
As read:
{"hour": 10, "minute": 50, "second": 57}
